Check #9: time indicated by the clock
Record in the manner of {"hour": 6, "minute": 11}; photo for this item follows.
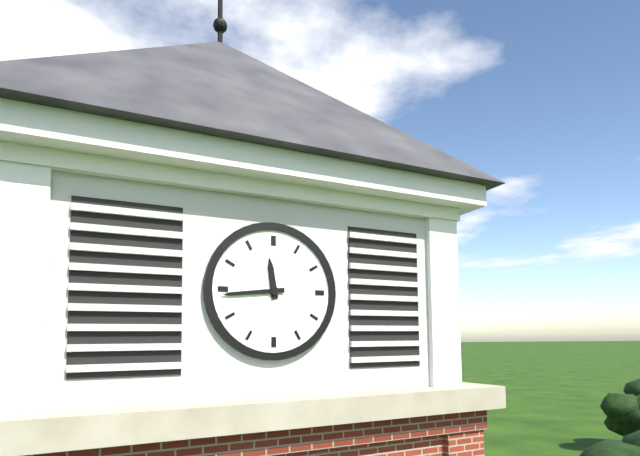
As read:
{"hour": 11, "minute": 44}
